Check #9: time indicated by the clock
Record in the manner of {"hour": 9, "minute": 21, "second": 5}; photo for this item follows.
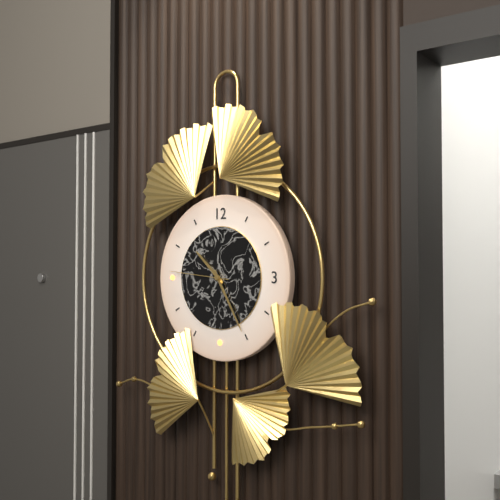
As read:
{"hour": 10, "minute": 25, "second": 46}
